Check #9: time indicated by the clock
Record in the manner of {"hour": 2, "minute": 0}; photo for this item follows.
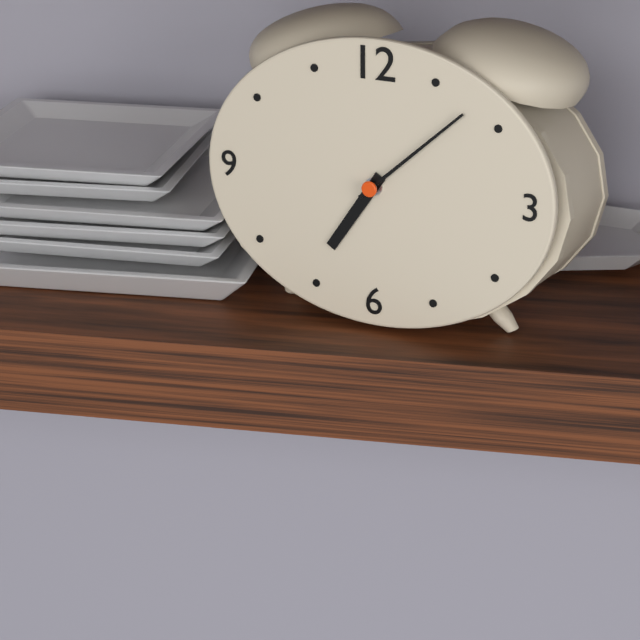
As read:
{"hour": 7, "minute": 8}
